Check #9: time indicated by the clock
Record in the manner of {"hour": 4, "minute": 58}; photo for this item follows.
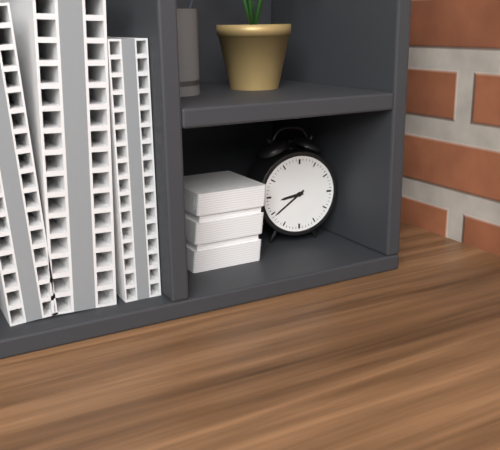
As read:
{"hour": 8, "minute": 39}
